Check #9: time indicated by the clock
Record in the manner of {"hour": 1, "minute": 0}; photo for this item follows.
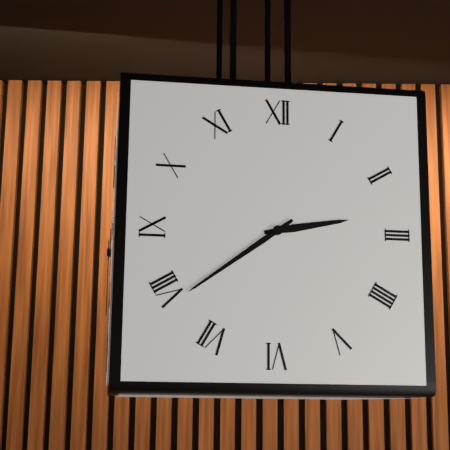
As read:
{"hour": 2, "minute": 39}
